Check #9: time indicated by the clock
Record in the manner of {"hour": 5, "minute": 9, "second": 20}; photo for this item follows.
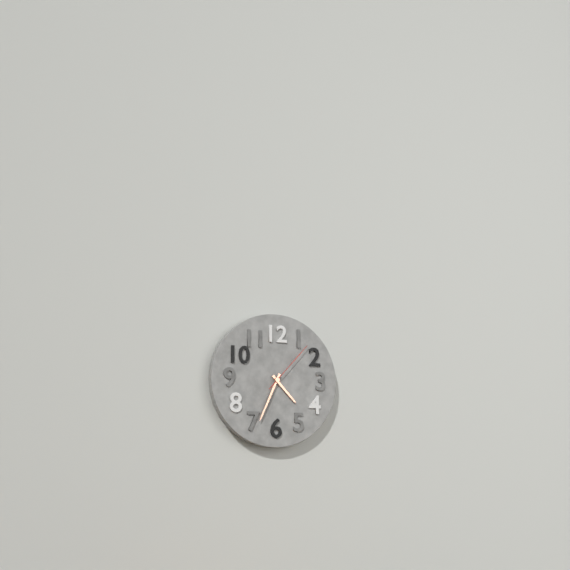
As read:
{"hour": 4, "minute": 34, "second": 7}
